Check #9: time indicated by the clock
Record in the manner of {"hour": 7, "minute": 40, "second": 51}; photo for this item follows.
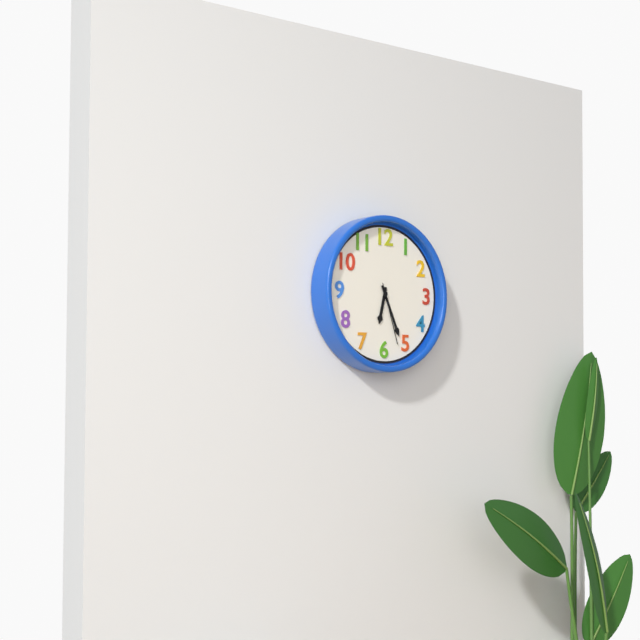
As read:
{"hour": 6, "minute": 26, "second": 27}
